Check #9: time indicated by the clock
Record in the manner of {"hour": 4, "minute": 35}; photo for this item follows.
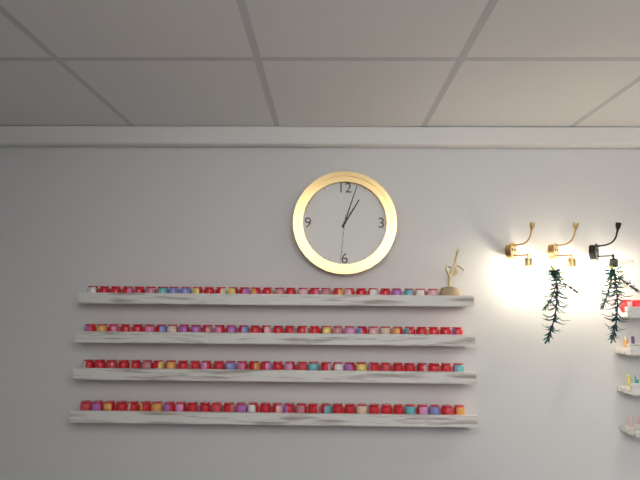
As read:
{"hour": 1, "minute": 3}
